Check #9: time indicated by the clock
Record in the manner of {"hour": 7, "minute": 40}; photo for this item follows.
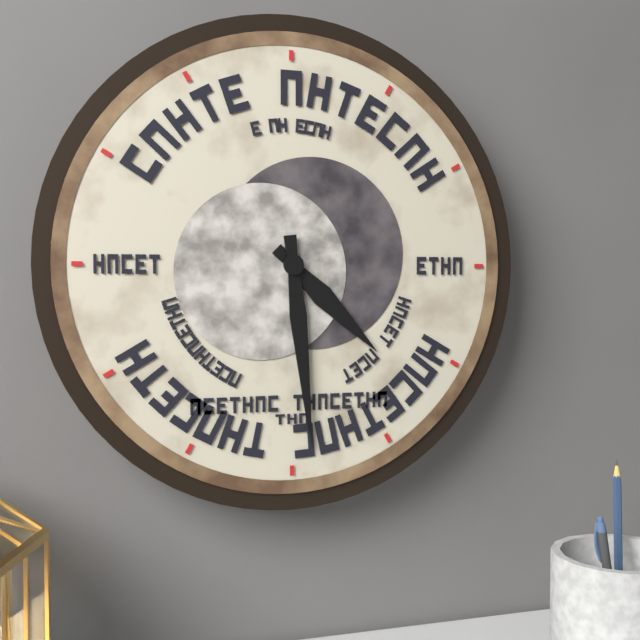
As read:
{"hour": 4, "minute": 29}
